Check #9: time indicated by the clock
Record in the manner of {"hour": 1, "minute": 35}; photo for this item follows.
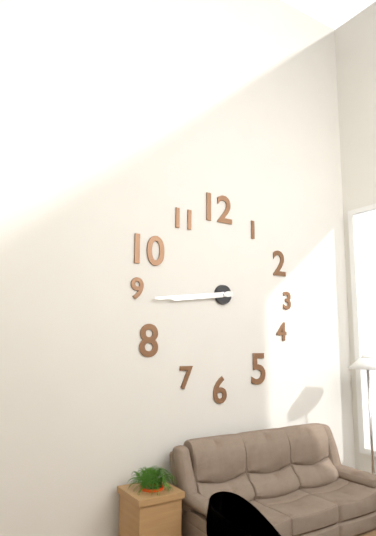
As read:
{"hour": 8, "minute": 44}
